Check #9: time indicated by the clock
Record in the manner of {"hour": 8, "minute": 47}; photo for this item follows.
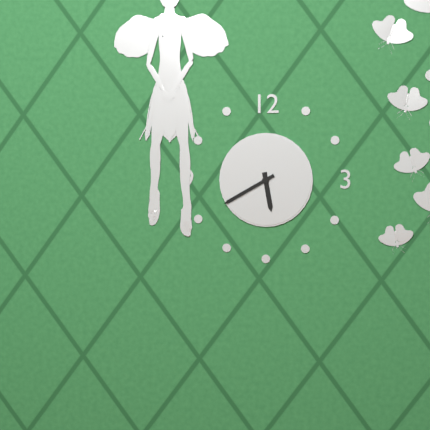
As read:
{"hour": 5, "minute": 40}
